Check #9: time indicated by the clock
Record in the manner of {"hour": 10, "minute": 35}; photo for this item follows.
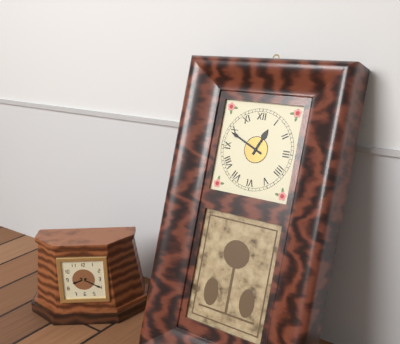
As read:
{"hour": 12, "minute": 49}
